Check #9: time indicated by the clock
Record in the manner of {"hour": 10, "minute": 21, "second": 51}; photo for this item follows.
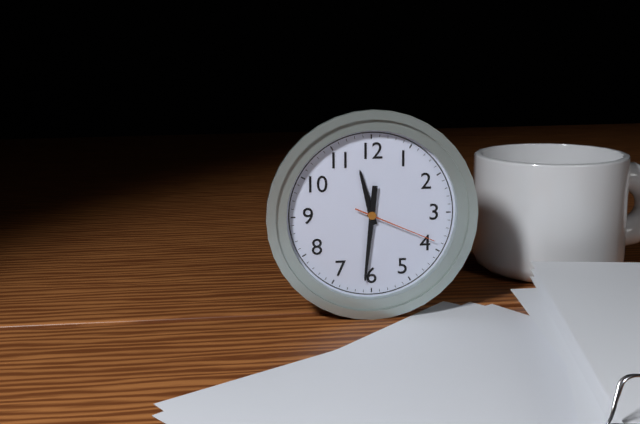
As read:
{"hour": 11, "minute": 31, "second": 19}
